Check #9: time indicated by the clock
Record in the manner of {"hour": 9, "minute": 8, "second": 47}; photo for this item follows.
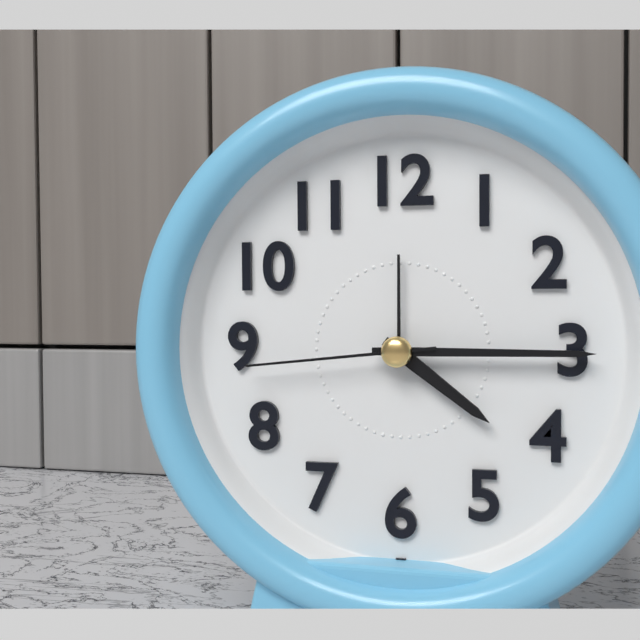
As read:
{"hour": 4, "minute": 15, "second": 44}
